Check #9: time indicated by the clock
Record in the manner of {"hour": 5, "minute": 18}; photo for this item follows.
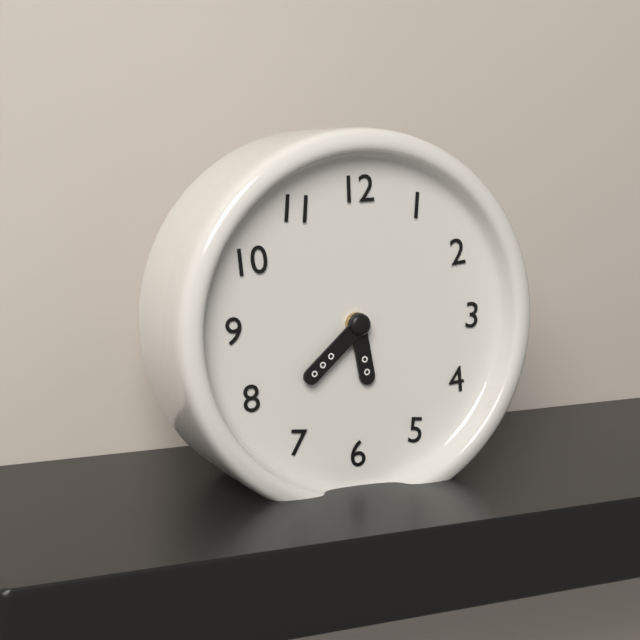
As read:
{"hour": 5, "minute": 38}
